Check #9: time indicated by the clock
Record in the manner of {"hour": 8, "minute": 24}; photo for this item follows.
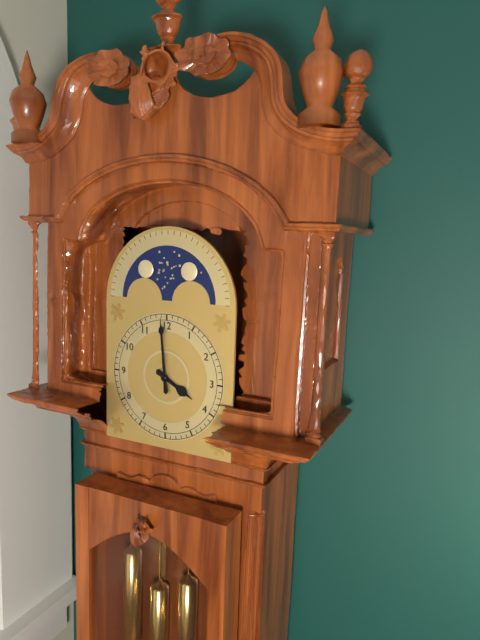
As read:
{"hour": 3, "minute": 59}
